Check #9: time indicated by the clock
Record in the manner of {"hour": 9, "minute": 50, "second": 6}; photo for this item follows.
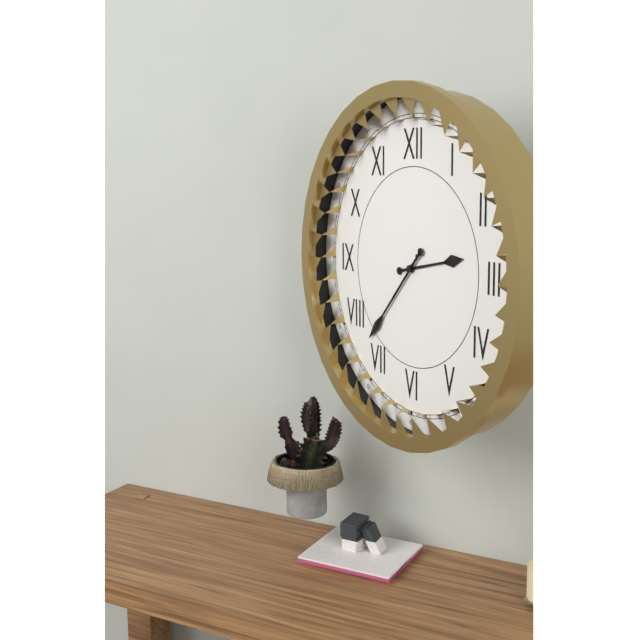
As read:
{"hour": 2, "minute": 37, "second": 37}
